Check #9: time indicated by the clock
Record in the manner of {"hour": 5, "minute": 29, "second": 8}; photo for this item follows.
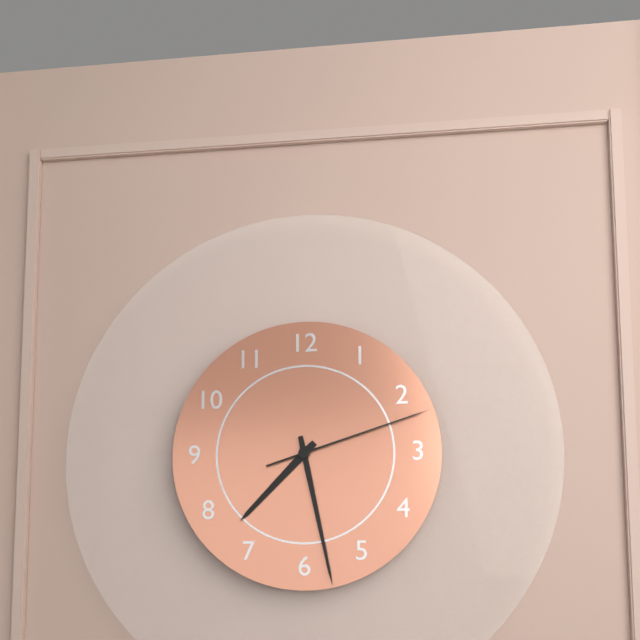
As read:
{"hour": 7, "minute": 28, "second": 12}
